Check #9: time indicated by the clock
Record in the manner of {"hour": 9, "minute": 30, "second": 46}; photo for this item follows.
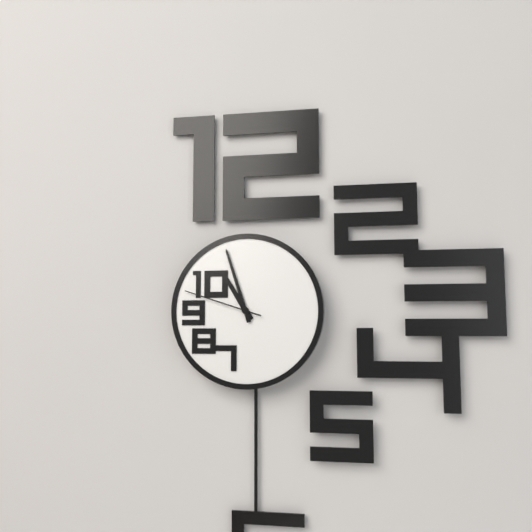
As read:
{"hour": 10, "minute": 57, "second": 48}
